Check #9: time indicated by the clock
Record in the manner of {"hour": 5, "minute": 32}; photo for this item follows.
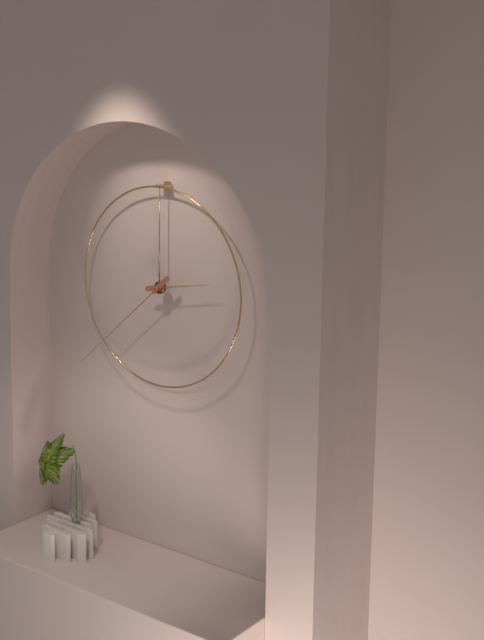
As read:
{"hour": 2, "minute": 38}
